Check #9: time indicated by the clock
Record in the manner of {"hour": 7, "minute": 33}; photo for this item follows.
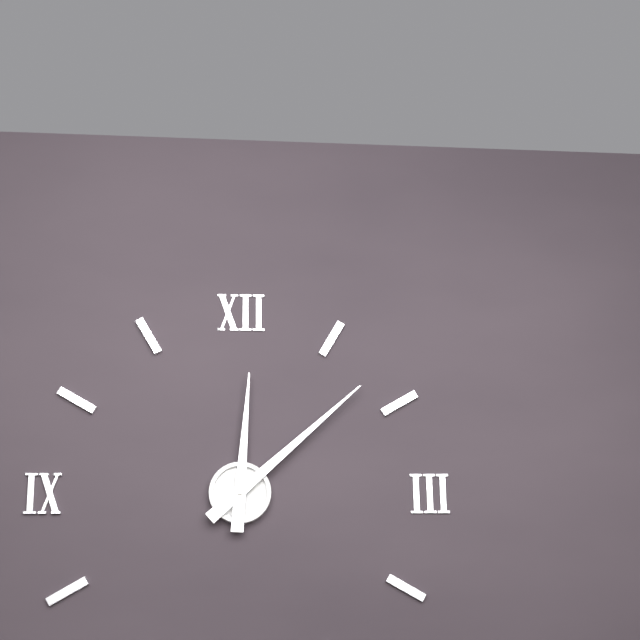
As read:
{"hour": 12, "minute": 8}
